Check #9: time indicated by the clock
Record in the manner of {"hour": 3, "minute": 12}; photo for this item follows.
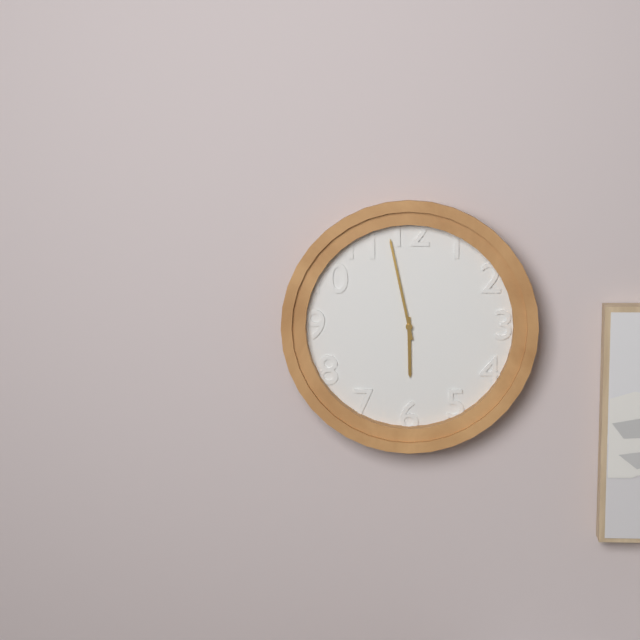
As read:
{"hour": 5, "minute": 58}
